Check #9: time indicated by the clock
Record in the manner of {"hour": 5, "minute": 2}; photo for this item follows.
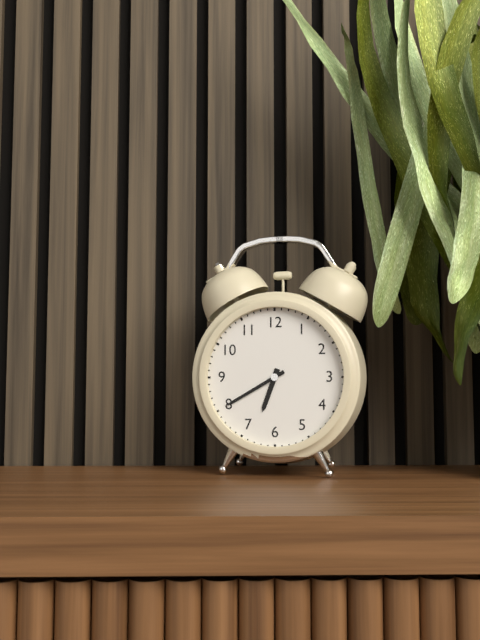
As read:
{"hour": 6, "minute": 40}
